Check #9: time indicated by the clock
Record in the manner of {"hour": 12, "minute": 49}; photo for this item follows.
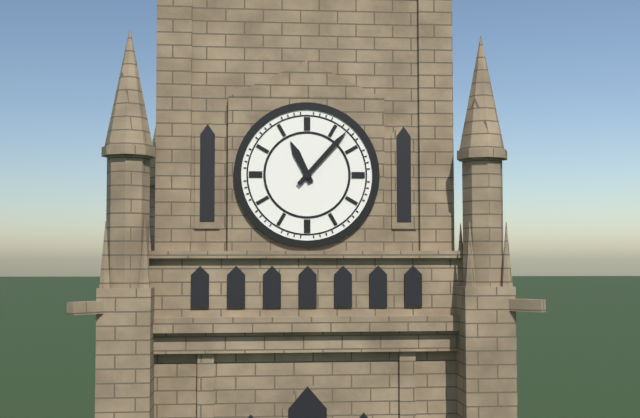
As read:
{"hour": 11, "minute": 7}
